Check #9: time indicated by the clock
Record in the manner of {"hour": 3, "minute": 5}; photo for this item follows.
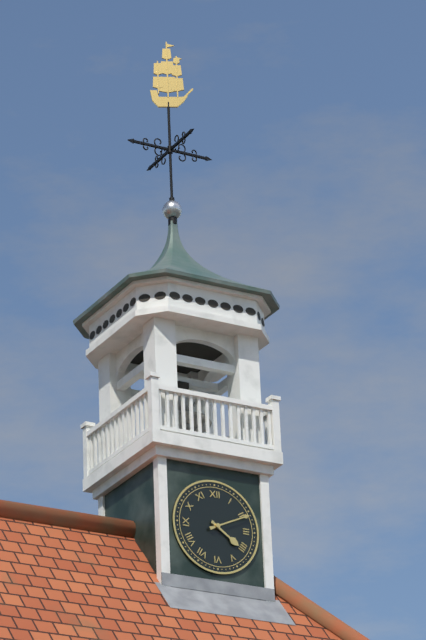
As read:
{"hour": 4, "minute": 11}
